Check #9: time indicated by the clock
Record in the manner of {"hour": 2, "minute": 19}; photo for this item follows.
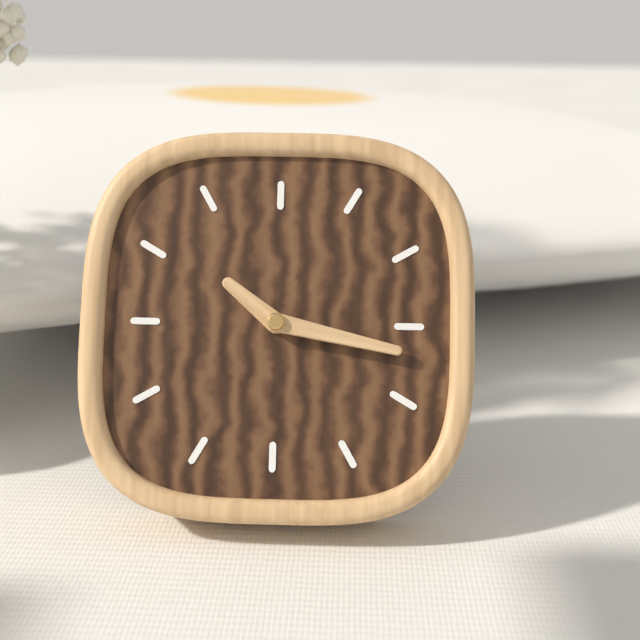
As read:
{"hour": 10, "minute": 17}
